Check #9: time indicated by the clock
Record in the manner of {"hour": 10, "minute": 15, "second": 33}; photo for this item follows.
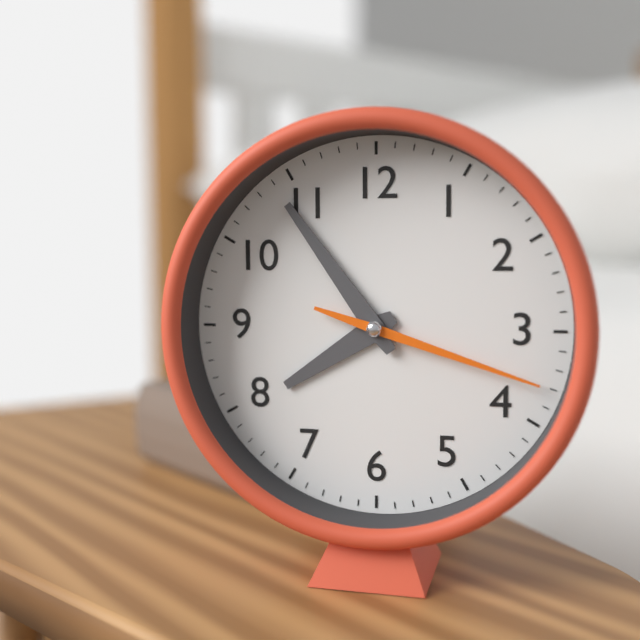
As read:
{"hour": 7, "minute": 54, "second": 18}
